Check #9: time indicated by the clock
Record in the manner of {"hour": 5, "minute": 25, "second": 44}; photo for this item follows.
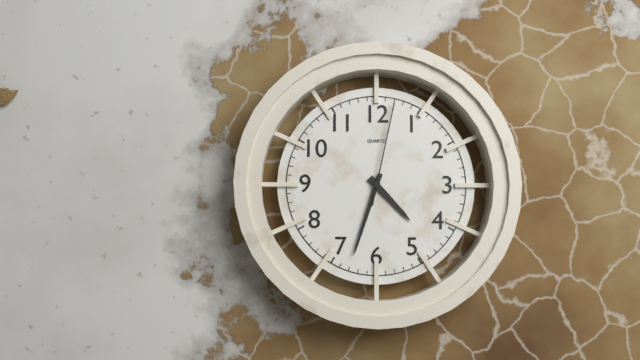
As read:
{"hour": 4, "minute": 33, "second": 2}
